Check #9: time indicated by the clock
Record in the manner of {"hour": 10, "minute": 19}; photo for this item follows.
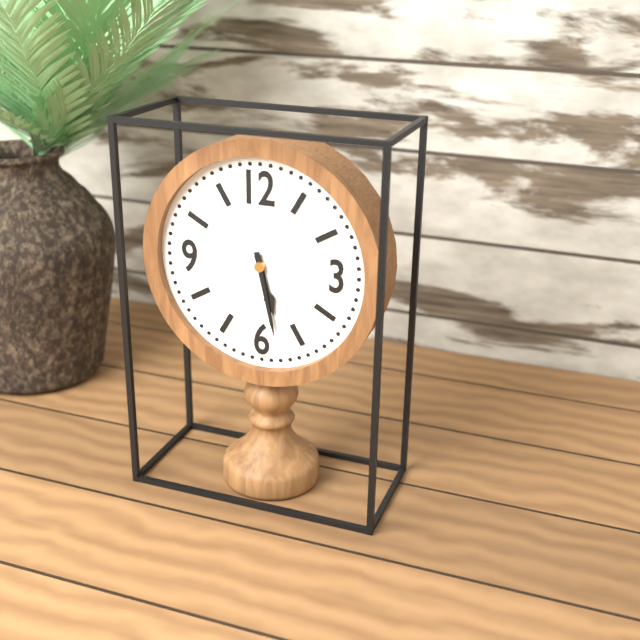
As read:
{"hour": 5, "minute": 28}
